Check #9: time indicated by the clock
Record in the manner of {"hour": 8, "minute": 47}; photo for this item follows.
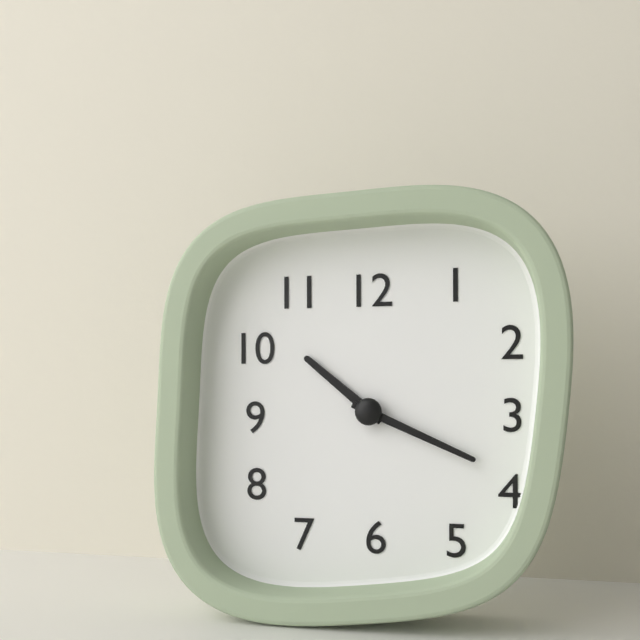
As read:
{"hour": 10, "minute": 19}
